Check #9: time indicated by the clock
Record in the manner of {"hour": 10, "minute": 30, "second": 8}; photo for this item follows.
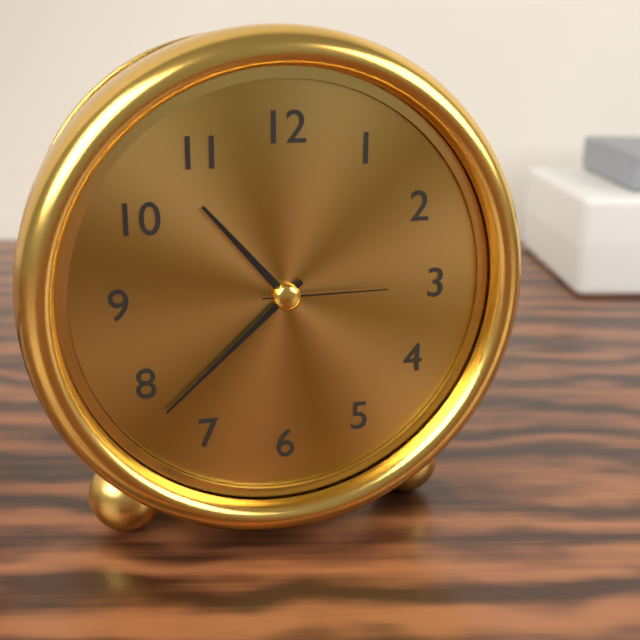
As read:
{"hour": 10, "minute": 38, "second": 15}
